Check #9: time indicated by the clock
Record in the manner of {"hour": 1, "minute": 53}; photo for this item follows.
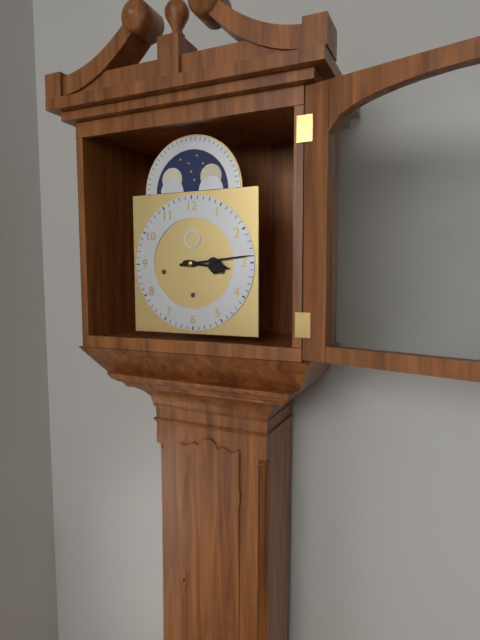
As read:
{"hour": 3, "minute": 14}
